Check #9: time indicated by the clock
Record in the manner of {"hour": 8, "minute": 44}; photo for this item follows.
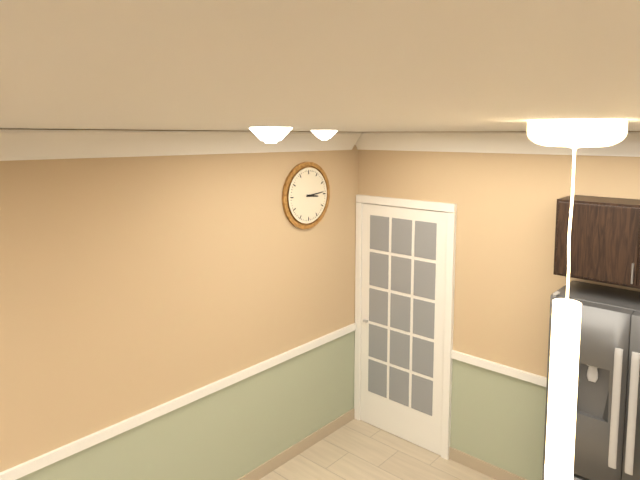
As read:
{"hour": 3, "minute": 14}
